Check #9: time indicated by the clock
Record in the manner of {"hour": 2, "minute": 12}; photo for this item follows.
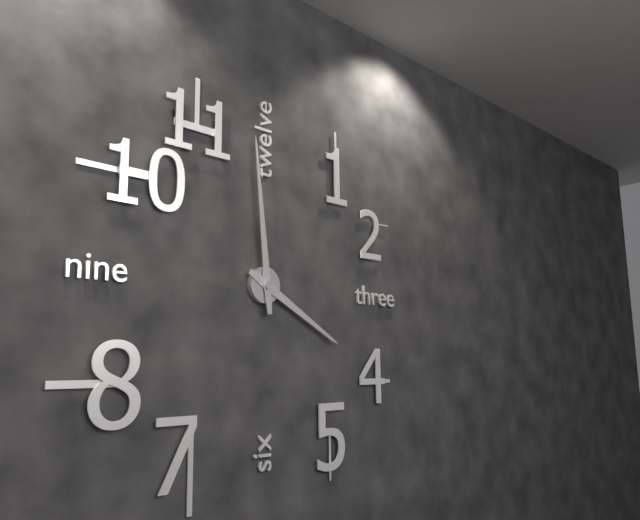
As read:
{"hour": 3, "minute": 59}
